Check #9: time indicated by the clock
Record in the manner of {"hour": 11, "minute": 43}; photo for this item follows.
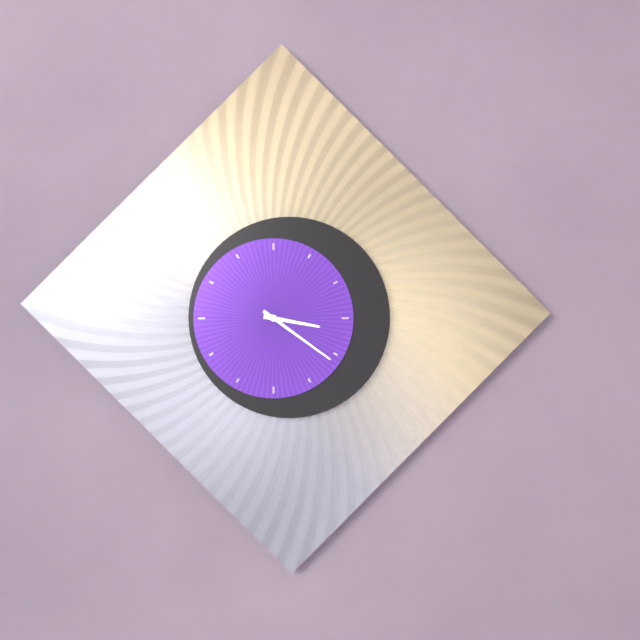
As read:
{"hour": 3, "minute": 21}
